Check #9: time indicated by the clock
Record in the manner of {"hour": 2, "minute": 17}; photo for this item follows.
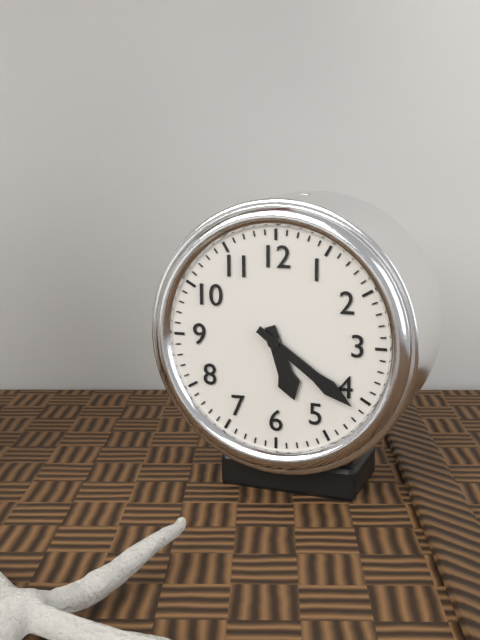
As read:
{"hour": 5, "minute": 21}
